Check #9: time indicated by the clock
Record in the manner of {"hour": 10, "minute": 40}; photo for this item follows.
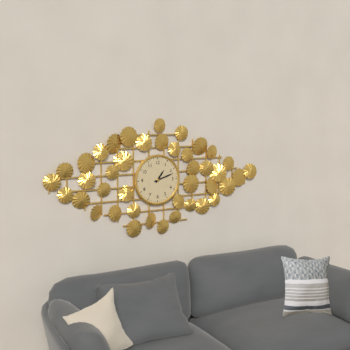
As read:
{"hour": 1, "minute": 12}
